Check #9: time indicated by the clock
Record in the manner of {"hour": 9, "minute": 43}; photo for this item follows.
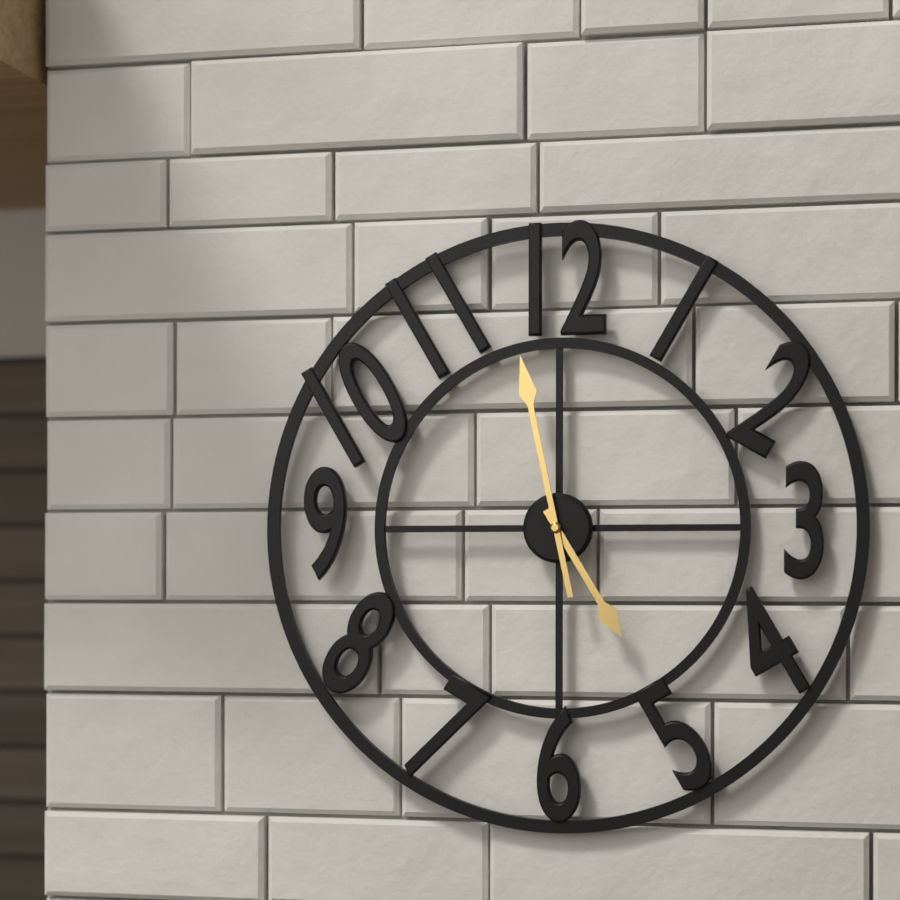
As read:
{"hour": 4, "minute": 58}
